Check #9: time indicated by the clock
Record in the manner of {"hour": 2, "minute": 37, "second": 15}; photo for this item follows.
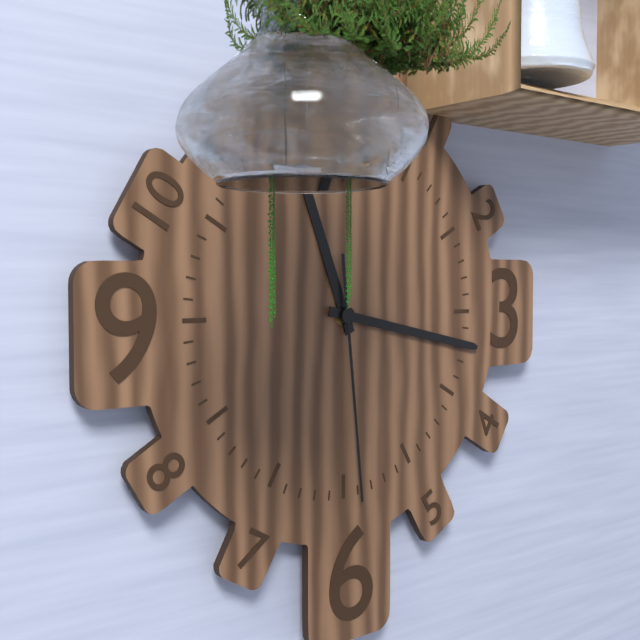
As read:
{"hour": 11, "minute": 17, "second": 29}
